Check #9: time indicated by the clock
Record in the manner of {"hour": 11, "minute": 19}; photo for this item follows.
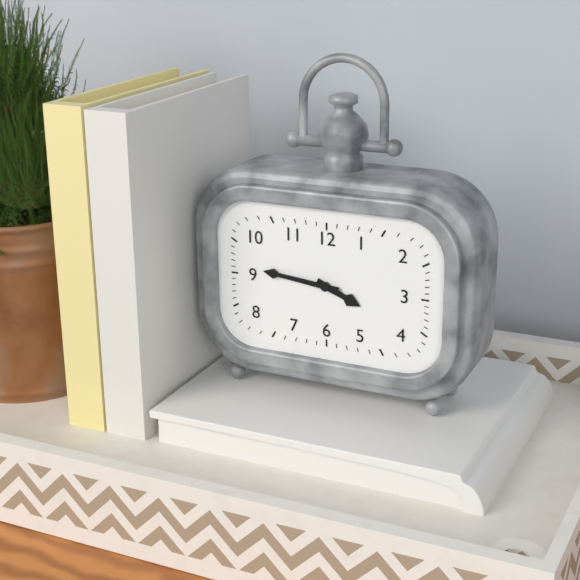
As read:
{"hour": 3, "minute": 46}
